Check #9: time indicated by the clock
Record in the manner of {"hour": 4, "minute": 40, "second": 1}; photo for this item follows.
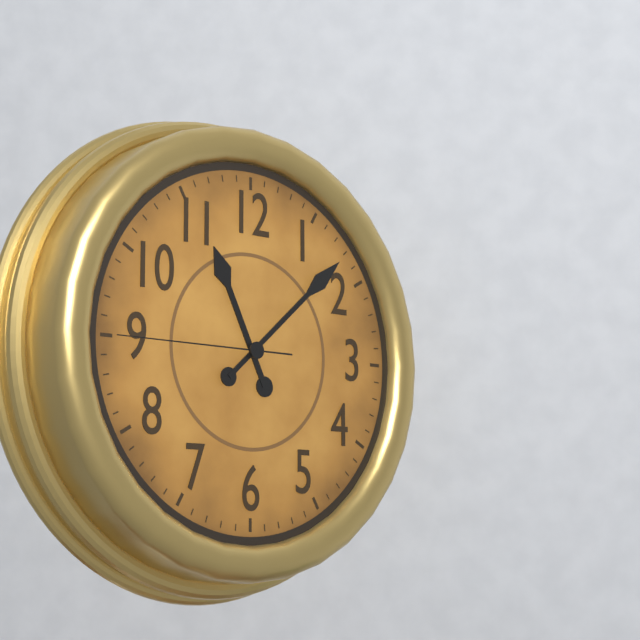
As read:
{"hour": 11, "minute": 8, "second": 45}
